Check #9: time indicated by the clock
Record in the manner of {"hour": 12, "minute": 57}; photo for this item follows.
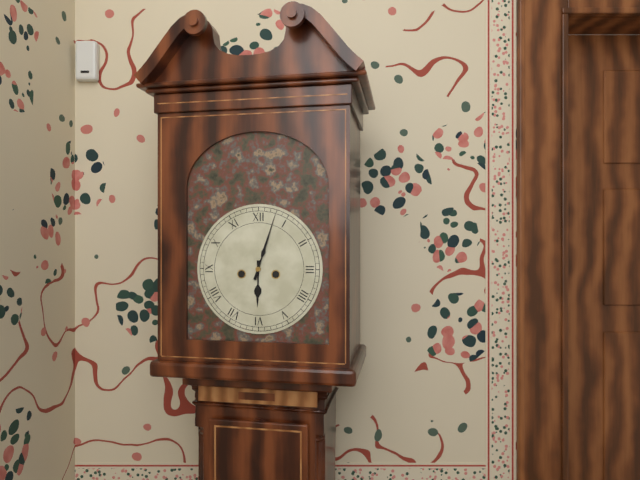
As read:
{"hour": 6, "minute": 3}
